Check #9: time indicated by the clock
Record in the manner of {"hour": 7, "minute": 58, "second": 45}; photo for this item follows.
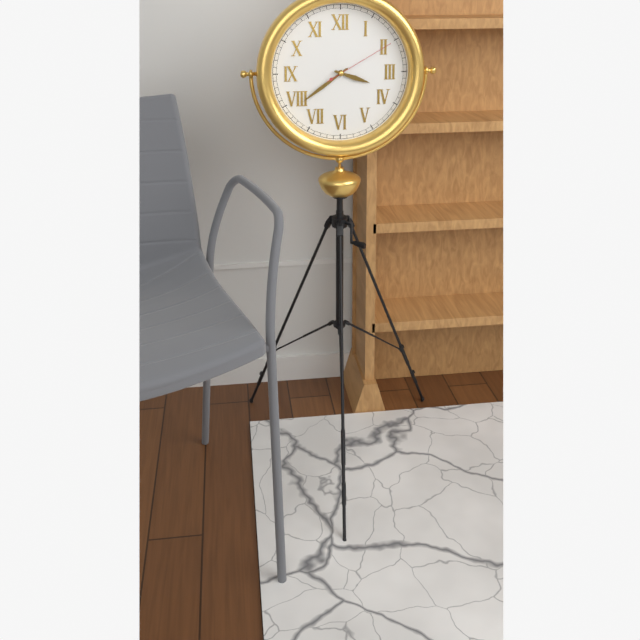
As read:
{"hour": 3, "minute": 39, "second": 10}
